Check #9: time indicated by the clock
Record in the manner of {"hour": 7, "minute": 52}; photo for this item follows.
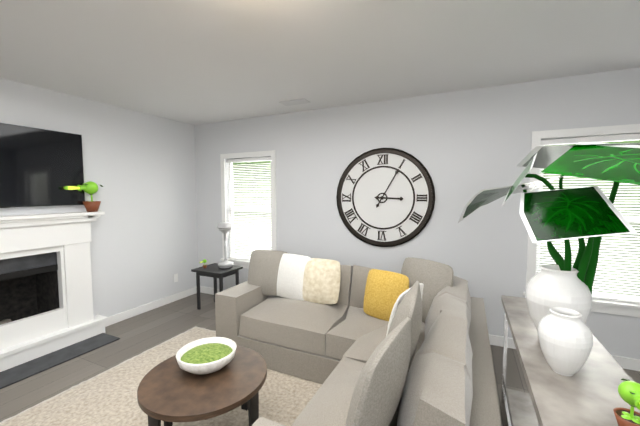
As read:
{"hour": 3, "minute": 5}
